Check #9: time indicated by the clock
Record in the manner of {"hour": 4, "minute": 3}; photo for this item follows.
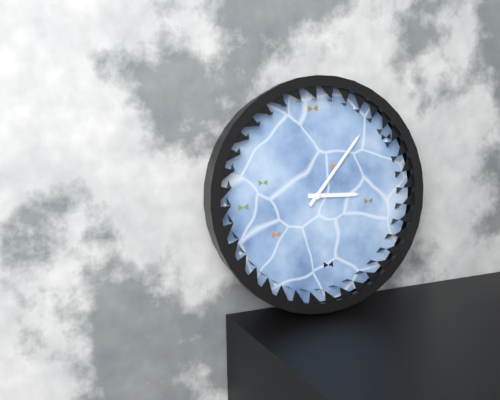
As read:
{"hour": 3, "minute": 7}
